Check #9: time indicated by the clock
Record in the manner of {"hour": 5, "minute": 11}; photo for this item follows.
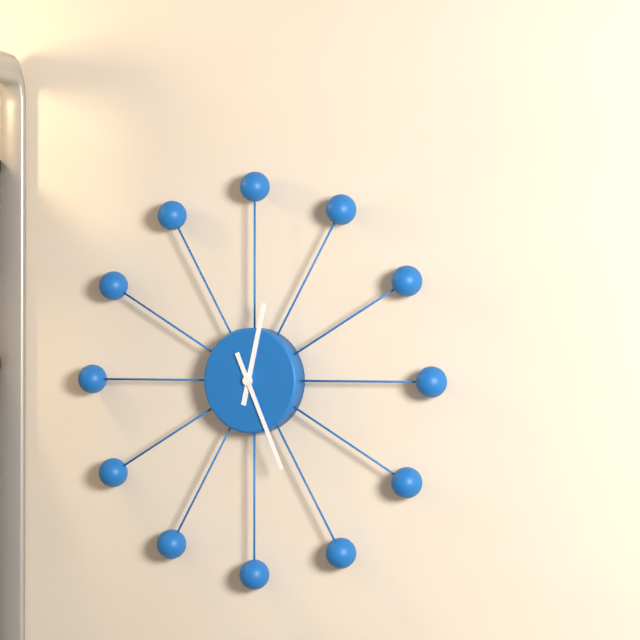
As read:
{"hour": 12, "minute": 26}
